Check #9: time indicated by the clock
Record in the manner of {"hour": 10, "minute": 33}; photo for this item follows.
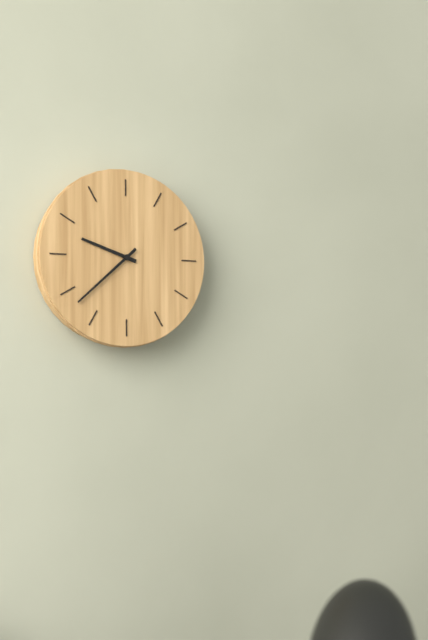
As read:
{"hour": 9, "minute": 38}
